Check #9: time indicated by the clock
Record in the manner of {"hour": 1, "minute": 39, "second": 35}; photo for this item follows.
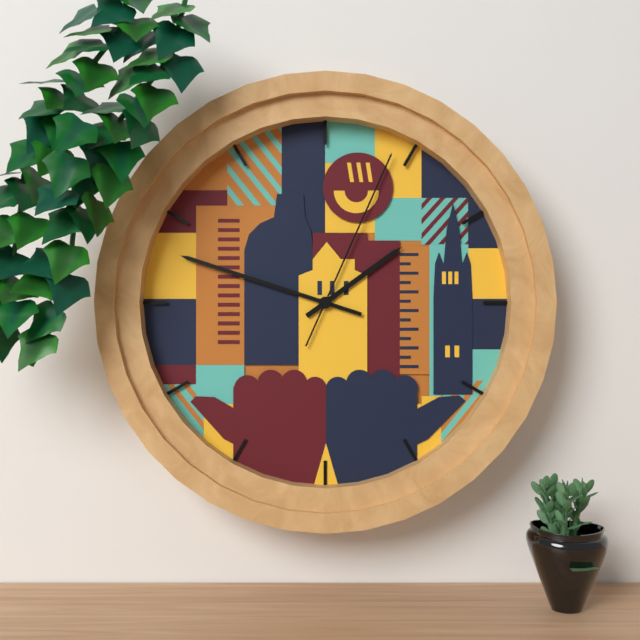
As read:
{"hour": 1, "minute": 48, "second": 4}
